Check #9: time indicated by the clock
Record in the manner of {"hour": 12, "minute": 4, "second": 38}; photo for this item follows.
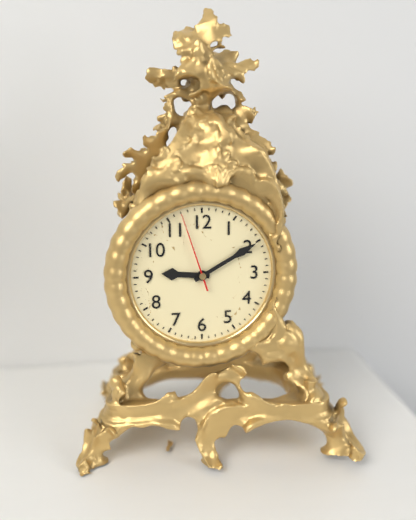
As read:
{"hour": 9, "minute": 10, "second": 57}
